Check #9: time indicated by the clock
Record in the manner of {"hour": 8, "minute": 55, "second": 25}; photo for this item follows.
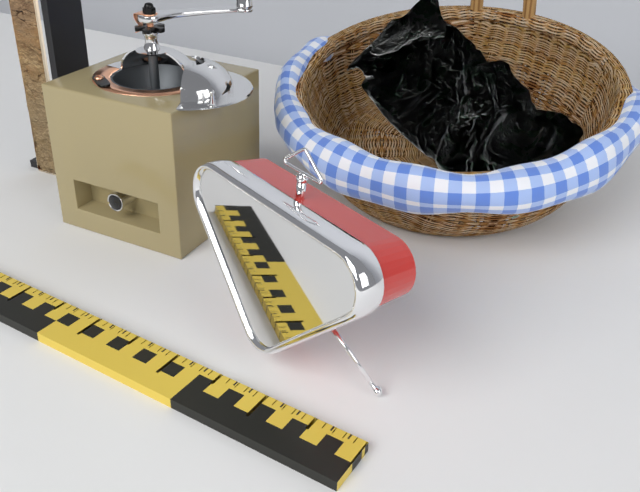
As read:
{"hour": 8, "minute": 11, "second": 45}
